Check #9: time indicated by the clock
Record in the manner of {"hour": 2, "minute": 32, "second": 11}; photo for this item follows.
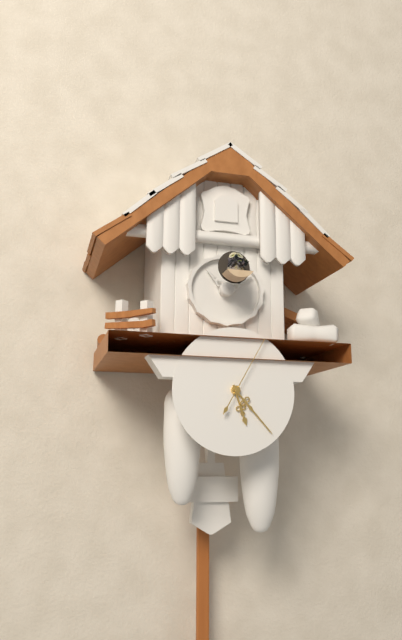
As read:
{"hour": 5, "minute": 23, "second": 5}
